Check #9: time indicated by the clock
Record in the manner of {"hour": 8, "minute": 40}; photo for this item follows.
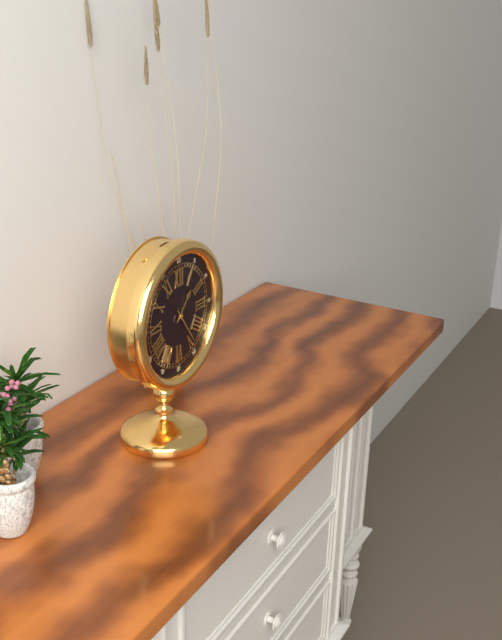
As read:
{"hour": 1, "minute": 24}
